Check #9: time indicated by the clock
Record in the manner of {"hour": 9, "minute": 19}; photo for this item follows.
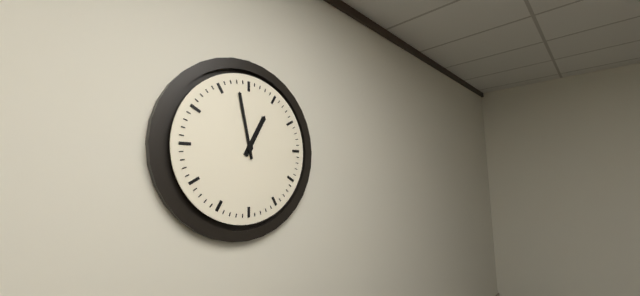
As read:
{"hour": 12, "minute": 58}
